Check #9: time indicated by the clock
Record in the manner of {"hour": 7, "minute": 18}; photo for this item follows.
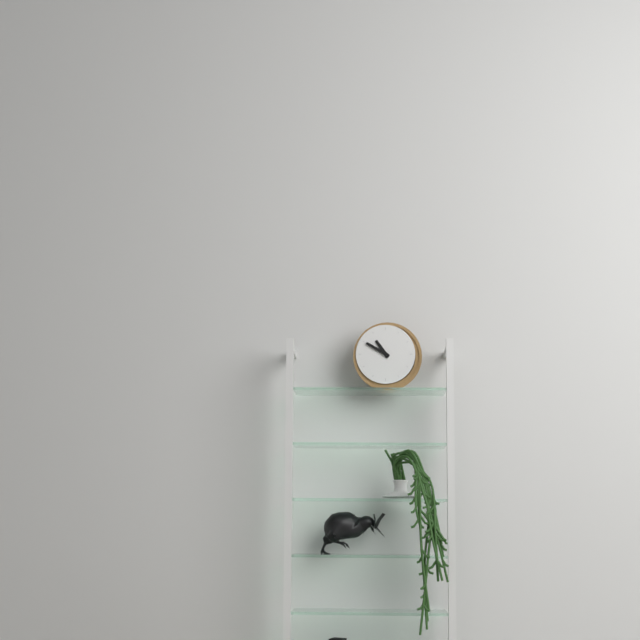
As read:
{"hour": 10, "minute": 50}
